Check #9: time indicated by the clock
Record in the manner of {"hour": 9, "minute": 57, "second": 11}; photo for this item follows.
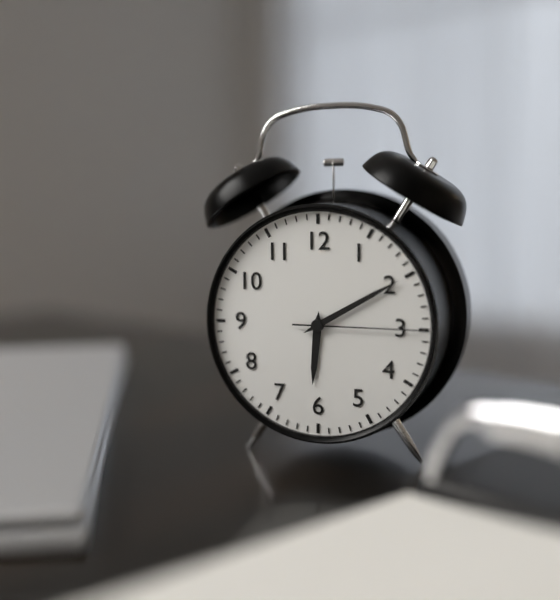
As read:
{"hour": 6, "minute": 10, "second": 15}
